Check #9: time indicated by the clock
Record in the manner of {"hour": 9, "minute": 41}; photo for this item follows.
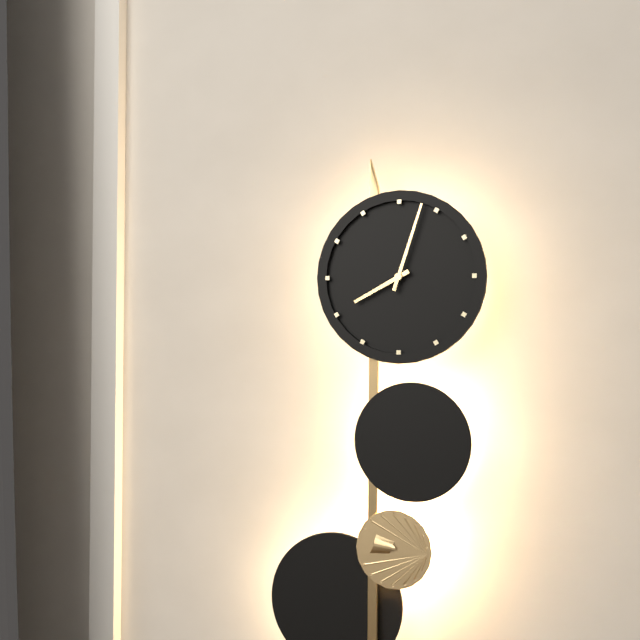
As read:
{"hour": 8, "minute": 3}
